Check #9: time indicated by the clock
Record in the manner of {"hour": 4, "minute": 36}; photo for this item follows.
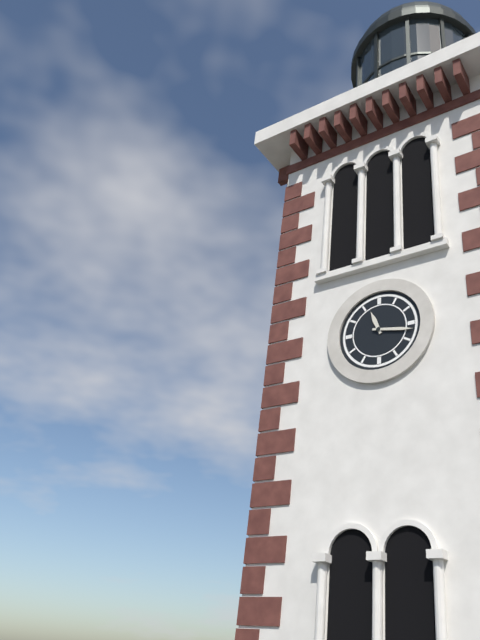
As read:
{"hour": 11, "minute": 17}
